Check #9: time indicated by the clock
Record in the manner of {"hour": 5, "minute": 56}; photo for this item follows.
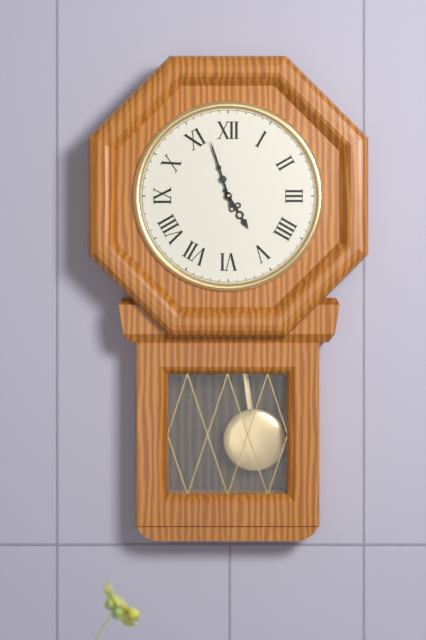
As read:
{"hour": 4, "minute": 57}
